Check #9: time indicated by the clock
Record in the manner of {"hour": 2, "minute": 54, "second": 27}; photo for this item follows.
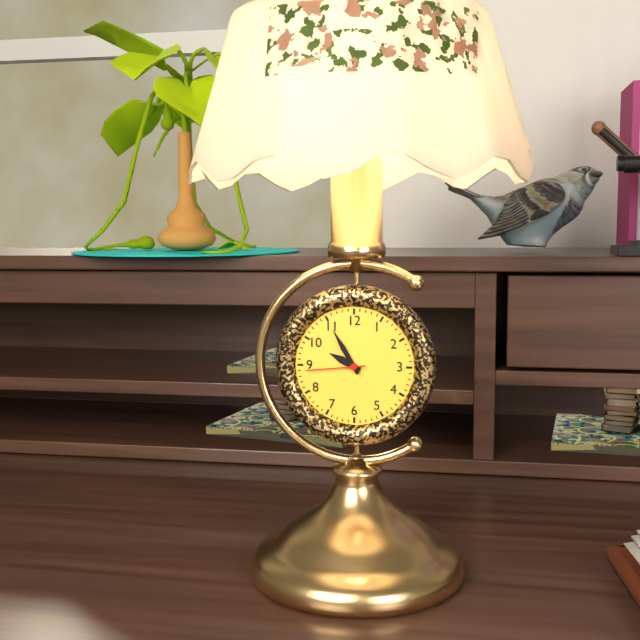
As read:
{"hour": 9, "minute": 55, "second": 44}
